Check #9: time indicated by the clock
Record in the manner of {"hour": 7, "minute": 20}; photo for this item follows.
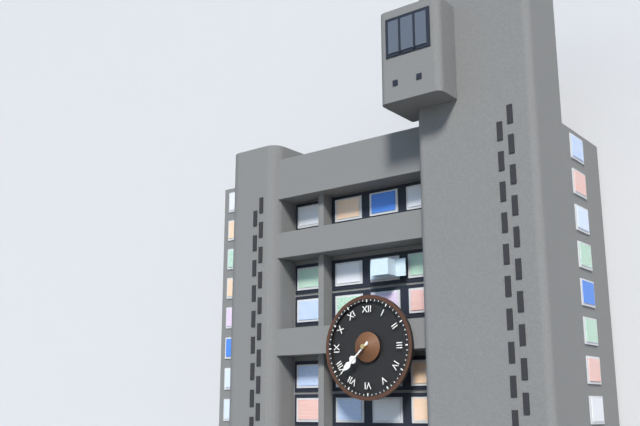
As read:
{"hour": 7, "minute": 38}
